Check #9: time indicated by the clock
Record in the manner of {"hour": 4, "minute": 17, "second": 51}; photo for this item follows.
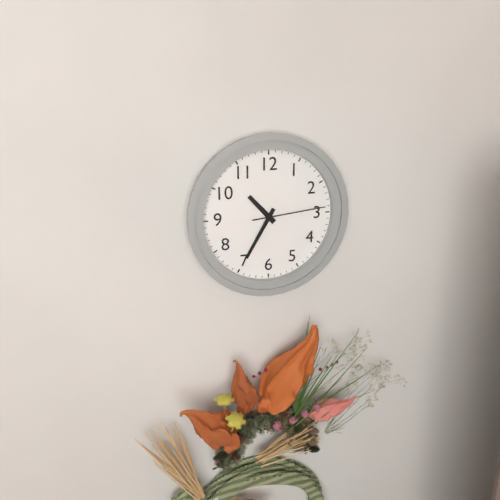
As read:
{"hour": 10, "minute": 35, "second": 14}
